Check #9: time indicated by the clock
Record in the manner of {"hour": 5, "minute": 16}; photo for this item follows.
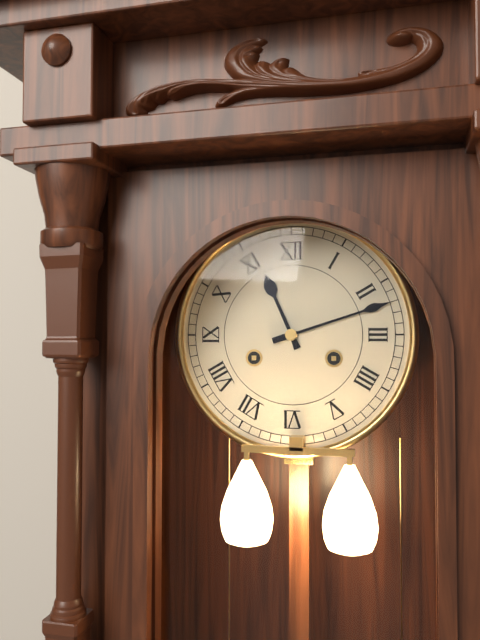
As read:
{"hour": 11, "minute": 12}
